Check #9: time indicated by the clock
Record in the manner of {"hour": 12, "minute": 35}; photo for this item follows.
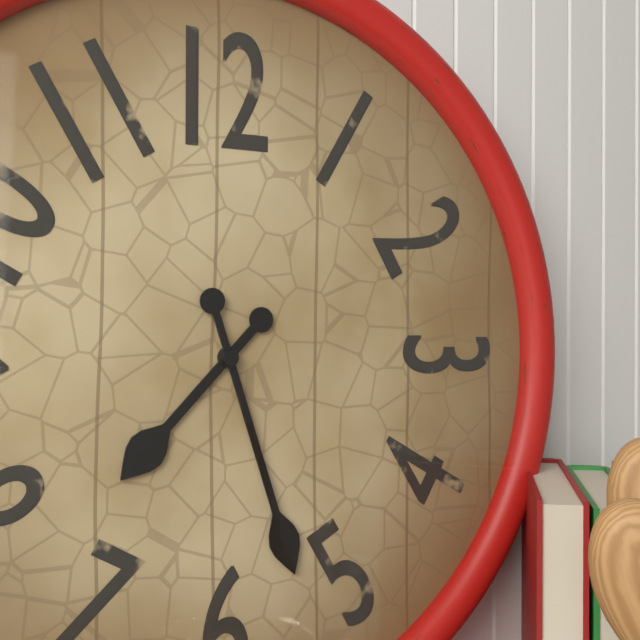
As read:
{"hour": 7, "minute": 27}
